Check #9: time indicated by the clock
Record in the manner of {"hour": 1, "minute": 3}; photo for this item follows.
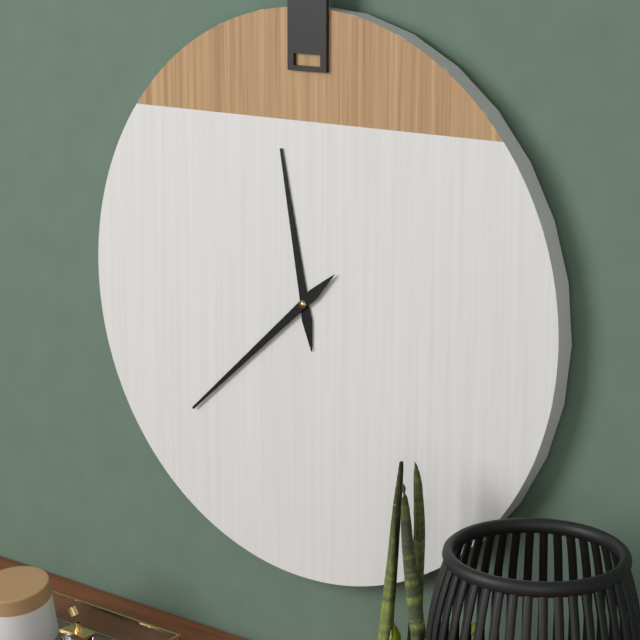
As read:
{"hour": 11, "minute": 38}
